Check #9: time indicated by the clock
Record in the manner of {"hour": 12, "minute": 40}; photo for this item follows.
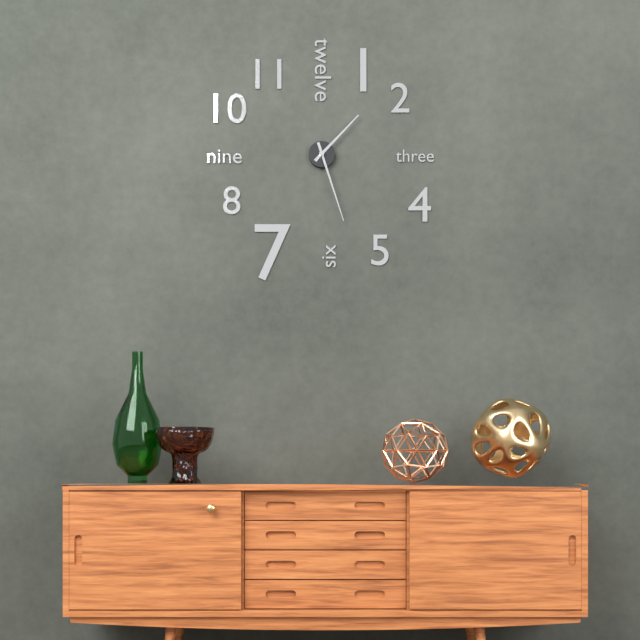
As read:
{"hour": 1, "minute": 27}
